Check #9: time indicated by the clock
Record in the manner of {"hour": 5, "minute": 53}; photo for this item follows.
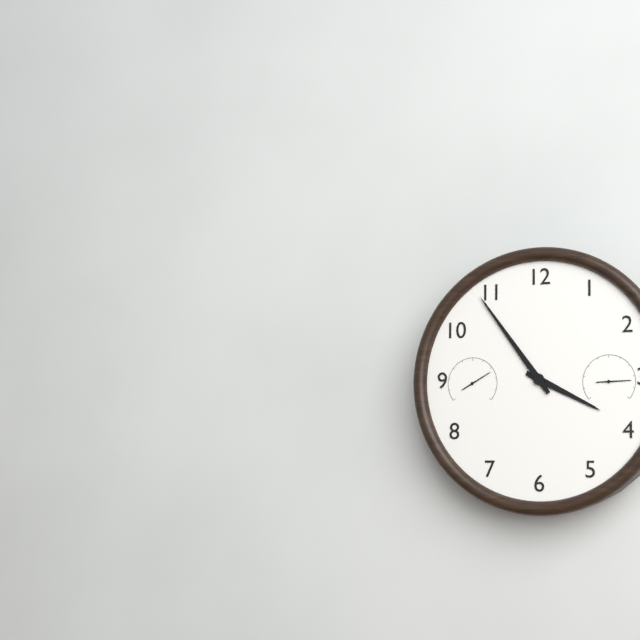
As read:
{"hour": 3, "minute": 54}
